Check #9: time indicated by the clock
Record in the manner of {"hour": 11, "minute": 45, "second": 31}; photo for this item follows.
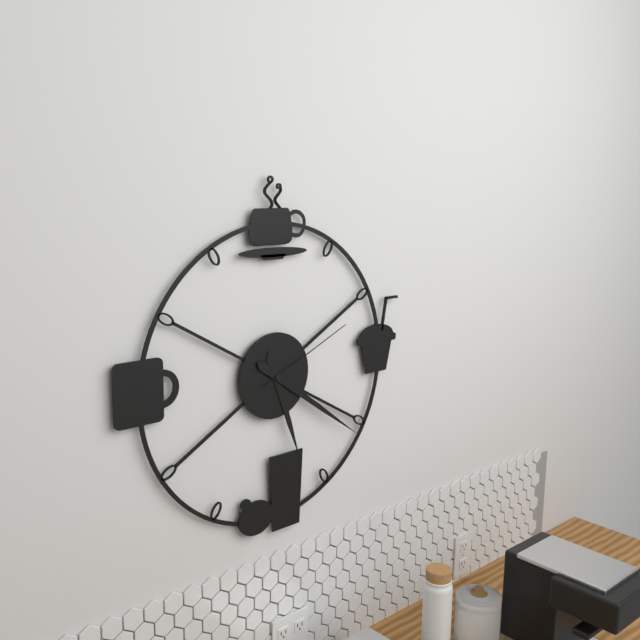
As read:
{"hour": 5, "minute": 21, "second": 11}
